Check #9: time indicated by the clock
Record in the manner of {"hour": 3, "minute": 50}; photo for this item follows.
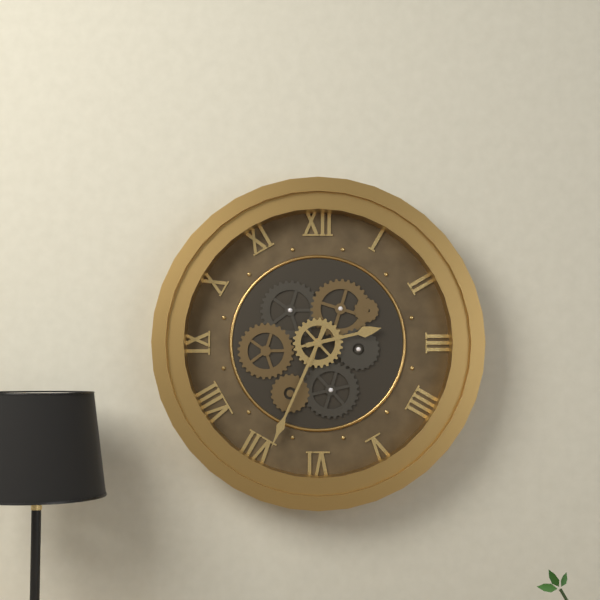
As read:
{"hour": 2, "minute": 34}
